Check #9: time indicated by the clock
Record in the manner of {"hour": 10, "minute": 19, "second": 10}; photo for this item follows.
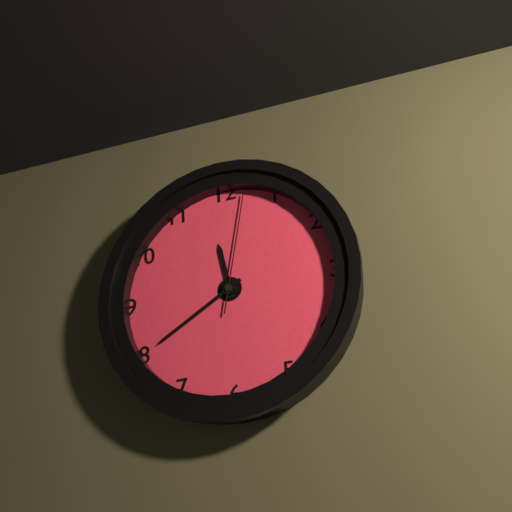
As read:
{"hour": 11, "minute": 40, "second": 2}
